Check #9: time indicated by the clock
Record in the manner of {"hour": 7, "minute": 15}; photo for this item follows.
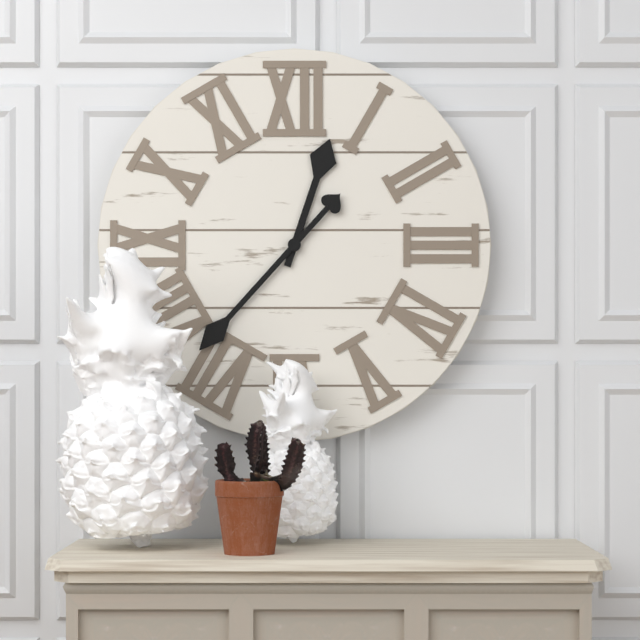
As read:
{"hour": 12, "minute": 37}
